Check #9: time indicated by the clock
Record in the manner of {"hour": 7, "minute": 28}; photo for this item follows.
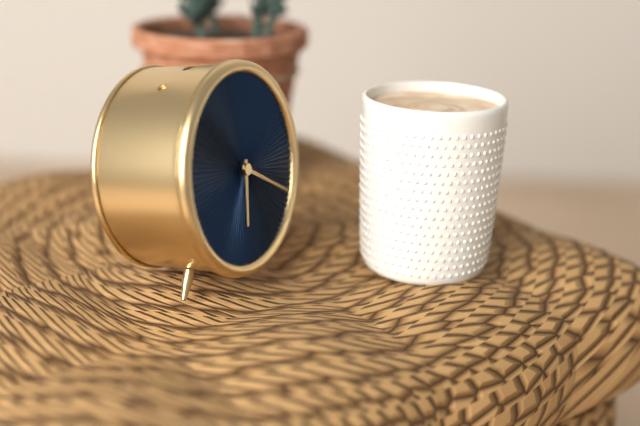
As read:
{"hour": 6, "minute": 20}
